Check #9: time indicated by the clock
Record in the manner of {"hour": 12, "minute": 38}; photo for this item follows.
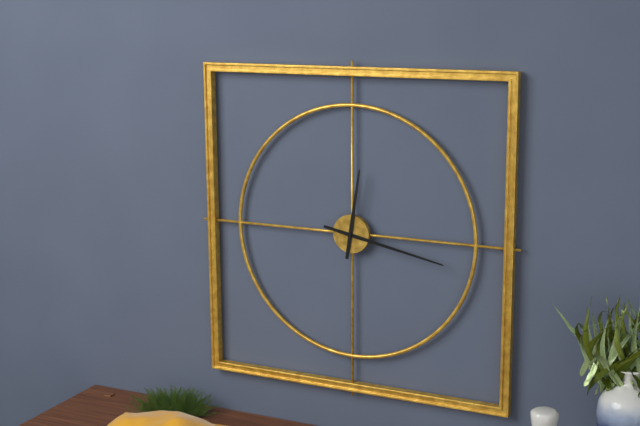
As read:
{"hour": 12, "minute": 17}
